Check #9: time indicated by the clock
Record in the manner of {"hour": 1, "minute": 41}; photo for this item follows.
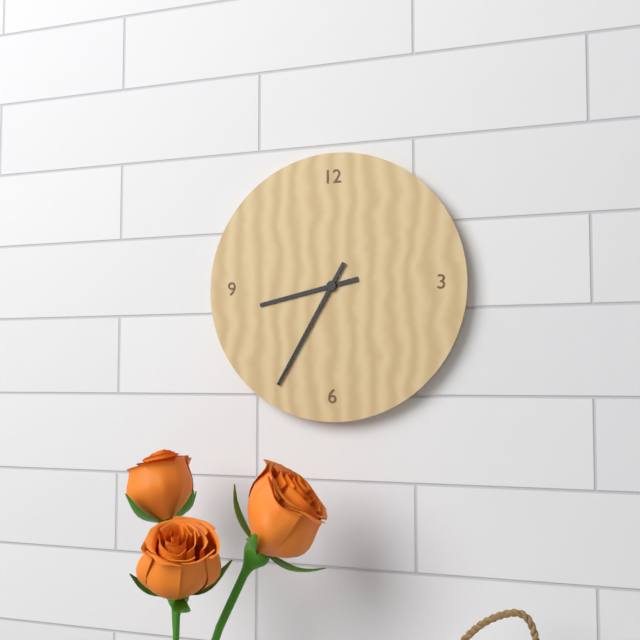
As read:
{"hour": 8, "minute": 35}
